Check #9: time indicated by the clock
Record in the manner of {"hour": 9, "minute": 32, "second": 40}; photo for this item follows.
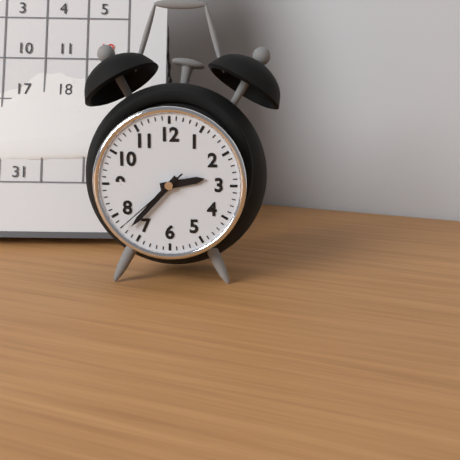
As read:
{"hour": 2, "minute": 37, "second": 38}
